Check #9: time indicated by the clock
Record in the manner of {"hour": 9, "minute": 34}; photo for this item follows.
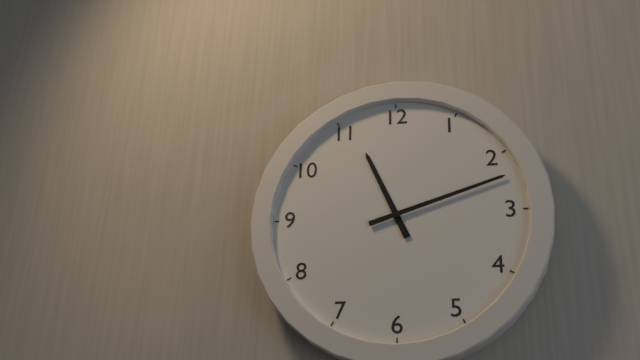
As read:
{"hour": 11, "minute": 12}
